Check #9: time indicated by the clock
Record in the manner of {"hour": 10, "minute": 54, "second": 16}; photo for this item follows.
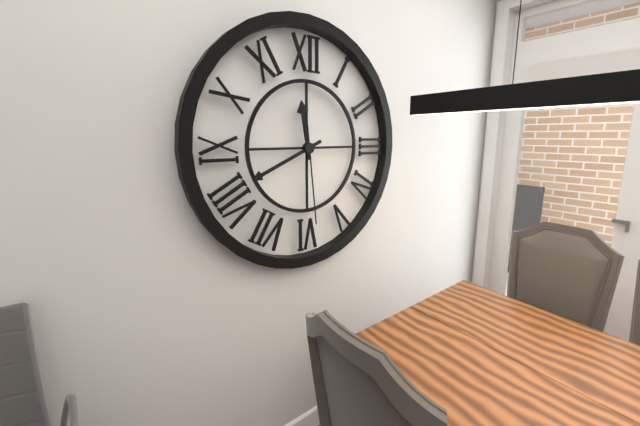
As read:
{"hour": 11, "minute": 41, "second": 29}
